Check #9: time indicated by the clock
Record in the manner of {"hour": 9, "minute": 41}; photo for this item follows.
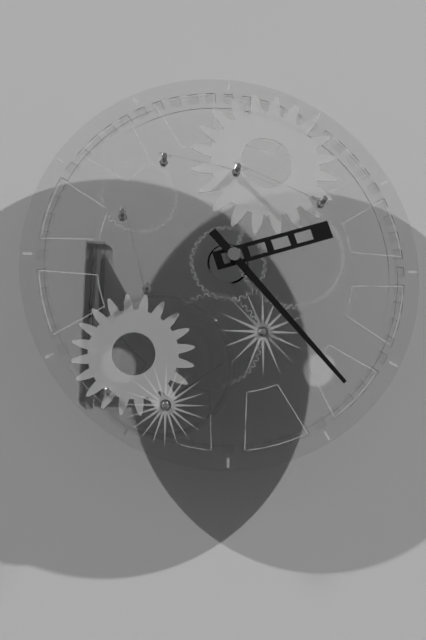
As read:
{"hour": 2, "minute": 23}
